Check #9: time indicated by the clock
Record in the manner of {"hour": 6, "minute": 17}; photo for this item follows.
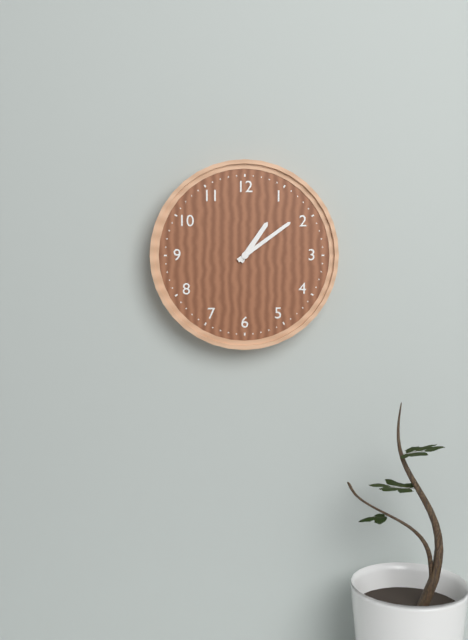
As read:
{"hour": 1, "minute": 9}
